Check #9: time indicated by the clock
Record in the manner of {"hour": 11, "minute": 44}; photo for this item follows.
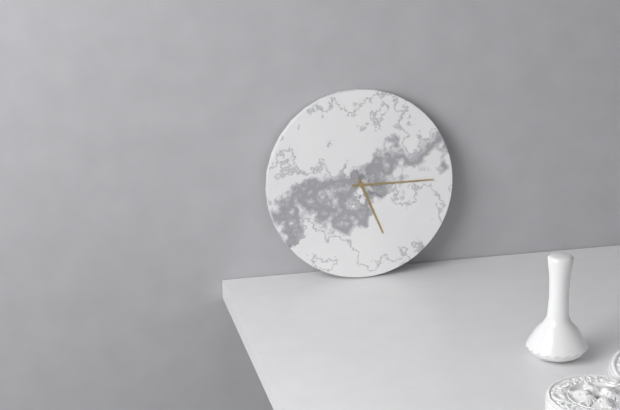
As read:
{"hour": 5, "minute": 15}
